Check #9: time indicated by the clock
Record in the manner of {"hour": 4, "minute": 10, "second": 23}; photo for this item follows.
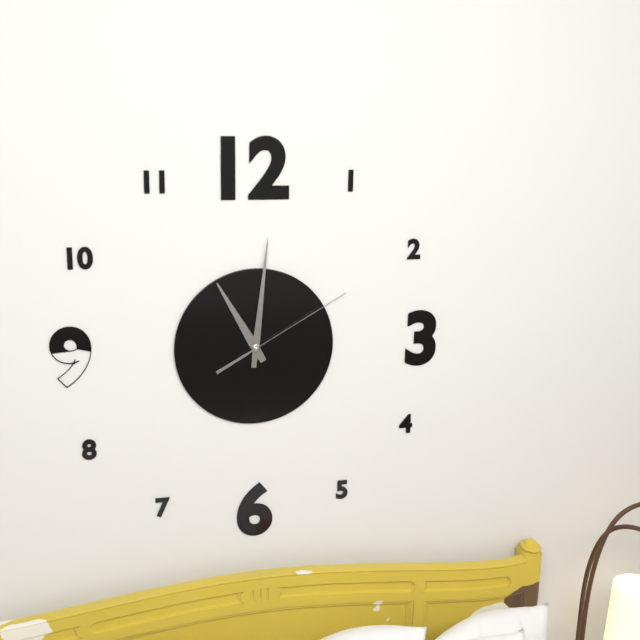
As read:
{"hour": 11, "minute": 1, "second": 10}
